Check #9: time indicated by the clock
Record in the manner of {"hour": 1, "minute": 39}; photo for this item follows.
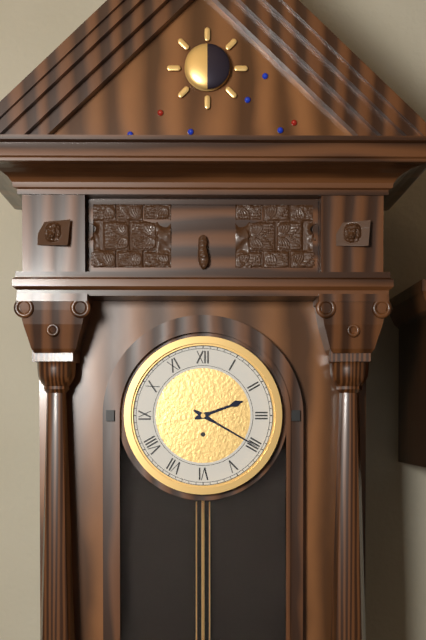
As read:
{"hour": 2, "minute": 20}
